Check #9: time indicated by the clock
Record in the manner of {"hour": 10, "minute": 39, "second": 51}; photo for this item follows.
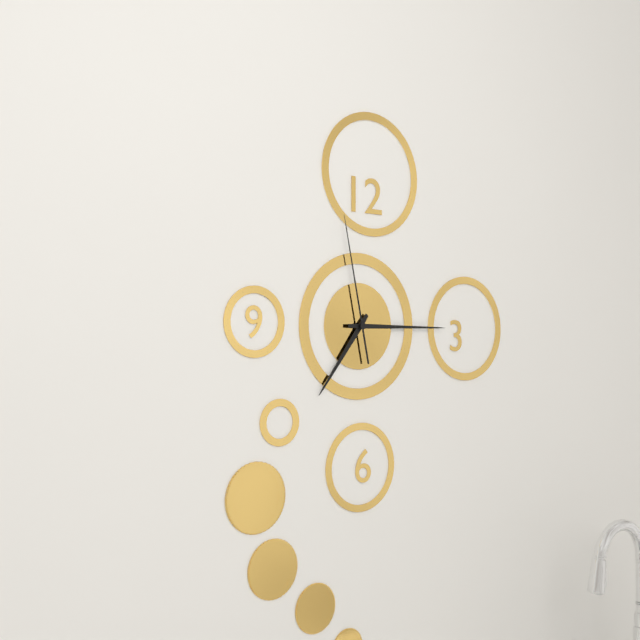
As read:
{"hour": 7, "minute": 15, "second": 58}
